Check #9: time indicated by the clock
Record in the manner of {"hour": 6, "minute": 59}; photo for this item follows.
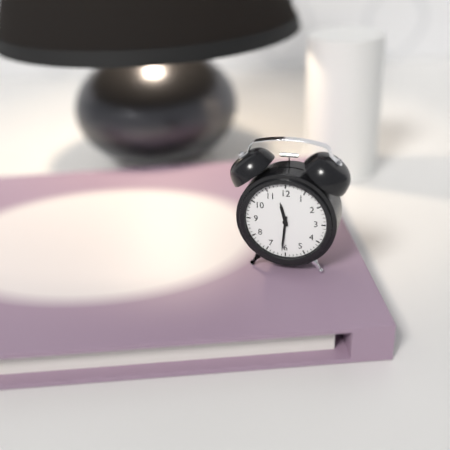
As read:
{"hour": 11, "minute": 31}
